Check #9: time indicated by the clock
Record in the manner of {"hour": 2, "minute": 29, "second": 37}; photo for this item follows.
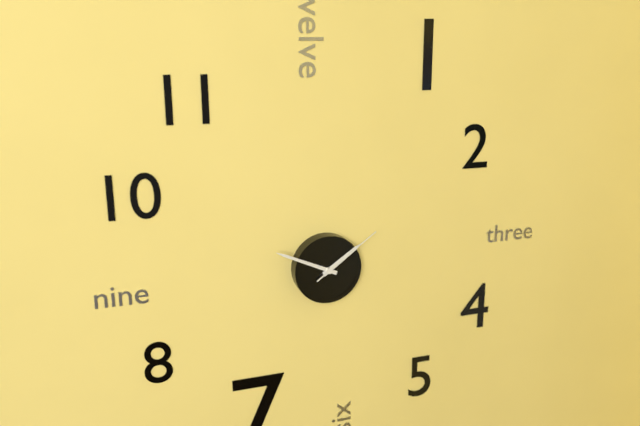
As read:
{"hour": 1, "minute": 49, "second": 9}
